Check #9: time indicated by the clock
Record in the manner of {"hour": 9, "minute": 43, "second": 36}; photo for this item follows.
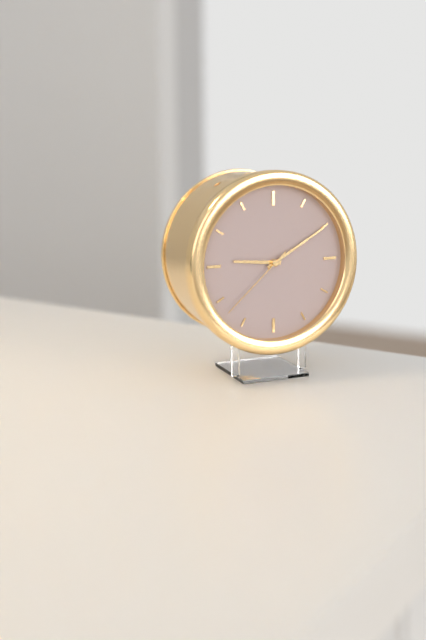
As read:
{"hour": 9, "minute": 10, "second": 38}
